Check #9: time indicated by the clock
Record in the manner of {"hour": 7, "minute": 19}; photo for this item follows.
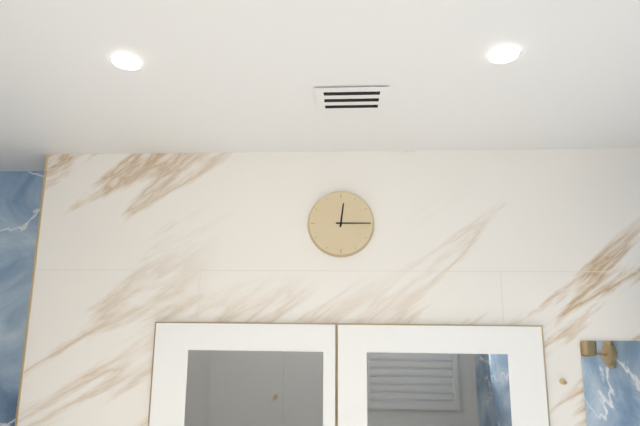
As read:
{"hour": 12, "minute": 15}
